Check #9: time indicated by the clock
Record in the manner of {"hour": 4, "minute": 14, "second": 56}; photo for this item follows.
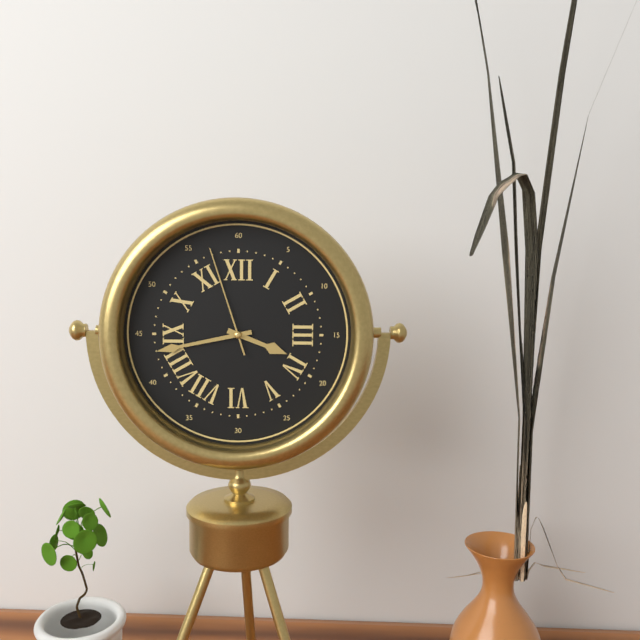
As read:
{"hour": 3, "minute": 43, "second": 57}
